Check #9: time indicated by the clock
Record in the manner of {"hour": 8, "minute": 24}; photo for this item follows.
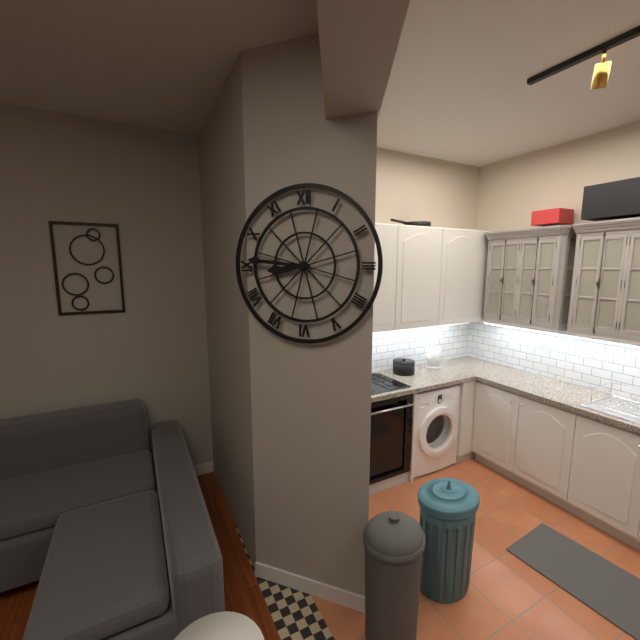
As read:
{"hour": 8, "minute": 46}
